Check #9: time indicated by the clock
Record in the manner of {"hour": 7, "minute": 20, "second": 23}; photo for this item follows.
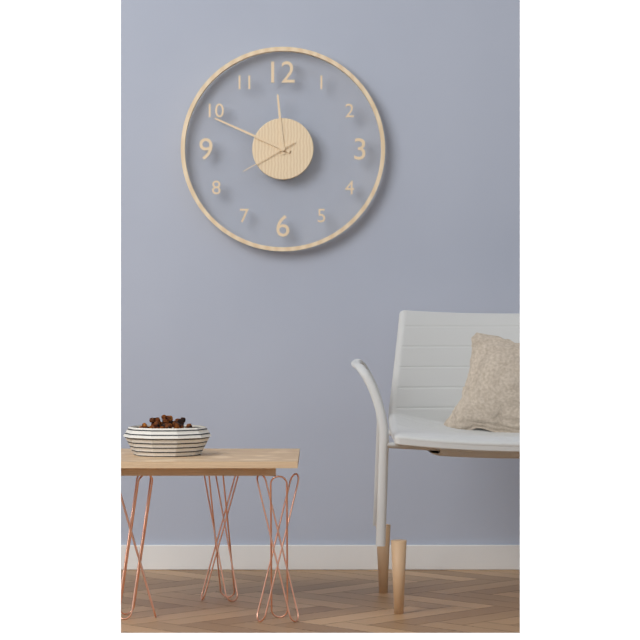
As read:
{"hour": 11, "minute": 49, "second": 40}
